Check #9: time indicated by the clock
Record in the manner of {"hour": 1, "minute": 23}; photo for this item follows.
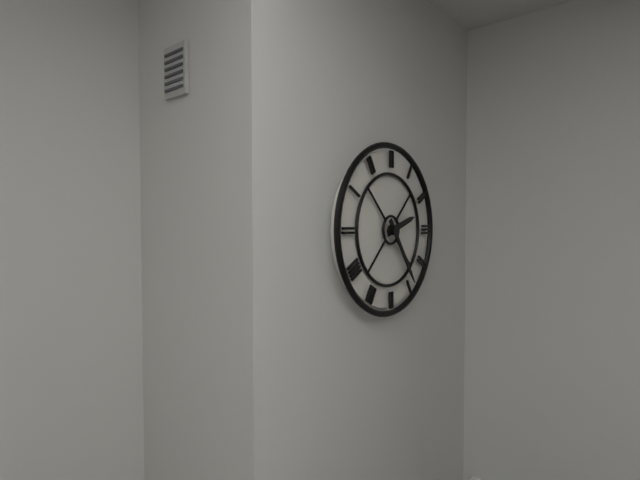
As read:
{"hour": 2, "minute": 24}
